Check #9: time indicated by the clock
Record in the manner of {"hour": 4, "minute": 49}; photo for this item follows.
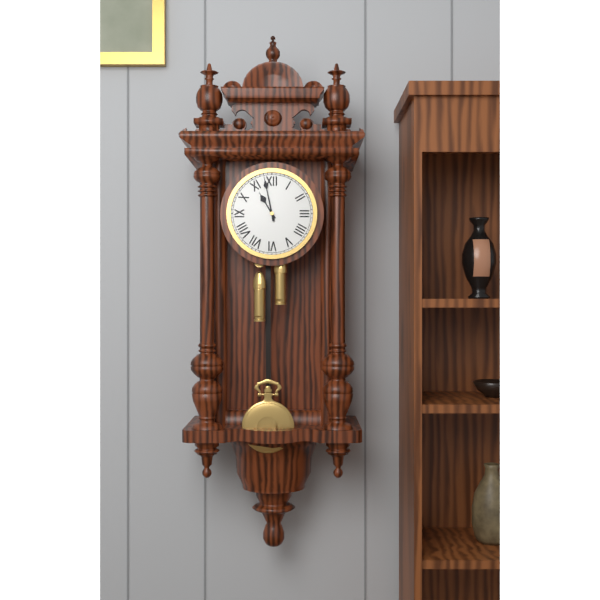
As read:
{"hour": 10, "minute": 58}
